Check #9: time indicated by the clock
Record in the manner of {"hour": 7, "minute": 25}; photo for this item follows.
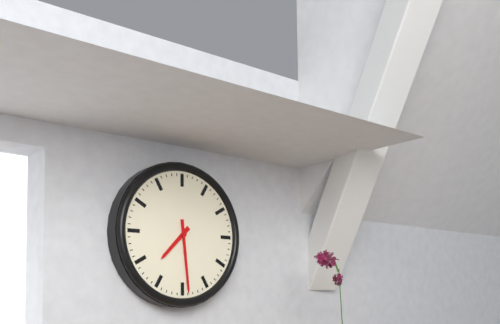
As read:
{"hour": 7, "minute": 29}
